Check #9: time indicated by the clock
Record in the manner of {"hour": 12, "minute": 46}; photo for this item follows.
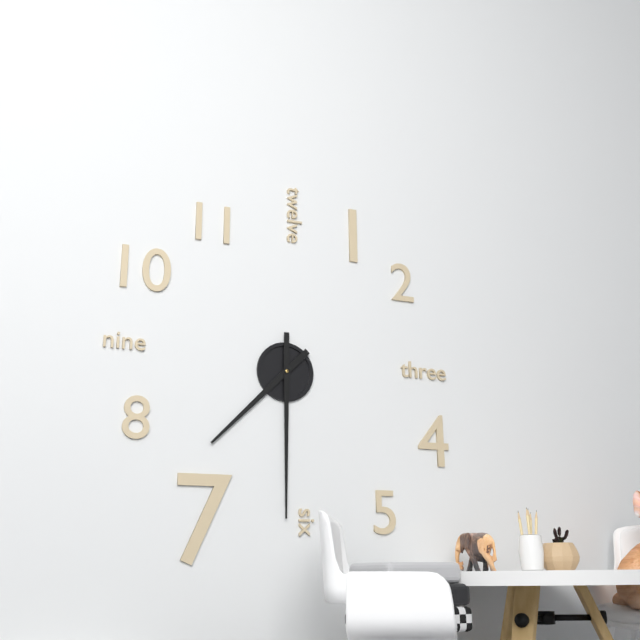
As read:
{"hour": 7, "minute": 30}
